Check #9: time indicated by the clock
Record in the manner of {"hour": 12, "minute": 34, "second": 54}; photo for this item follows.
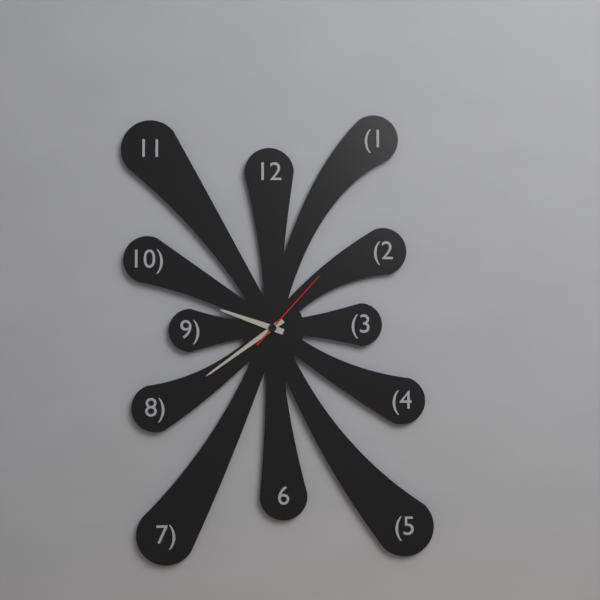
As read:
{"hour": 9, "minute": 39, "second": 7}
